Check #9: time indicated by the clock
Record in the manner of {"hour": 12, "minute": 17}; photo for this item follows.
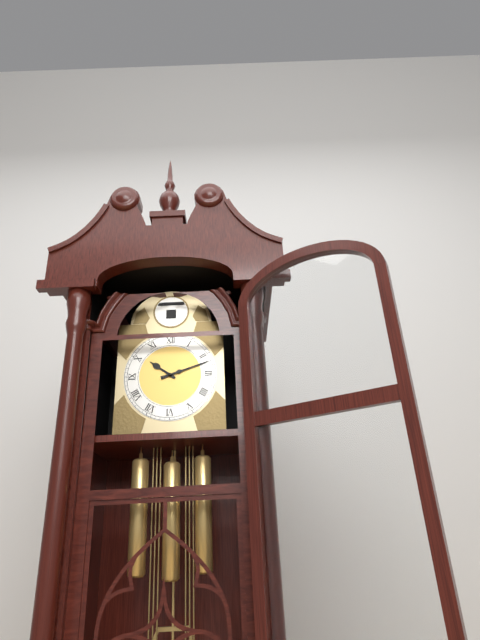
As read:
{"hour": 10, "minute": 12}
